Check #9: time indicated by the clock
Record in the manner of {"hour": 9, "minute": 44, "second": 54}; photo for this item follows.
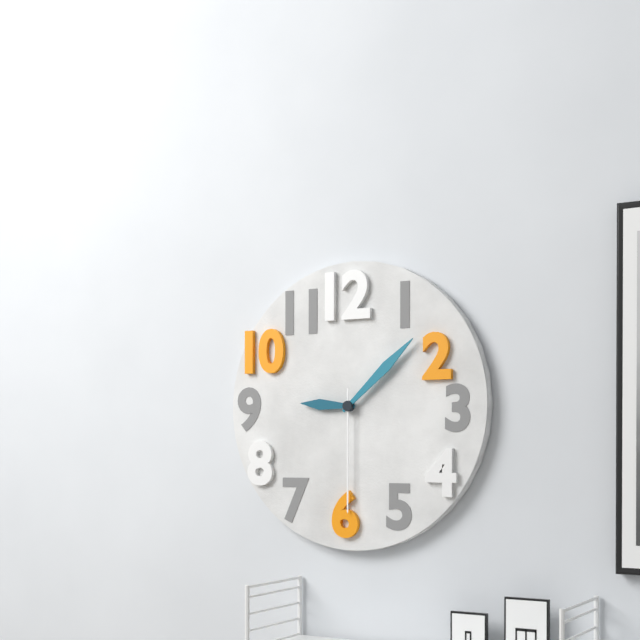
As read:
{"hour": 9, "minute": 8, "second": 30}
